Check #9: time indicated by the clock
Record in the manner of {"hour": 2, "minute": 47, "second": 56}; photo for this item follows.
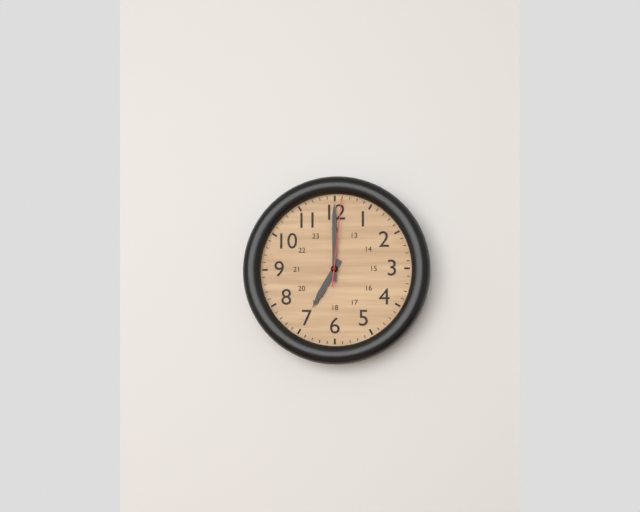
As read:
{"hour": 7, "minute": 0, "second": 1}
